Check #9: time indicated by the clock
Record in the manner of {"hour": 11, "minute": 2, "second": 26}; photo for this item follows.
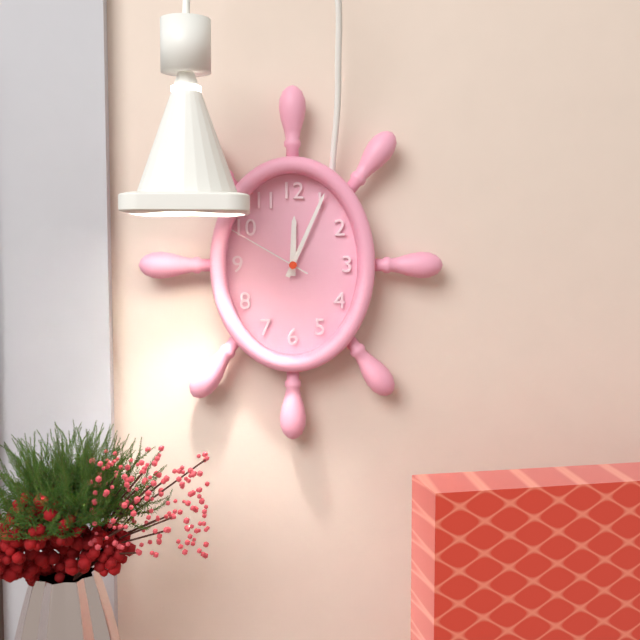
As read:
{"hour": 12, "minute": 4, "second": 50}
